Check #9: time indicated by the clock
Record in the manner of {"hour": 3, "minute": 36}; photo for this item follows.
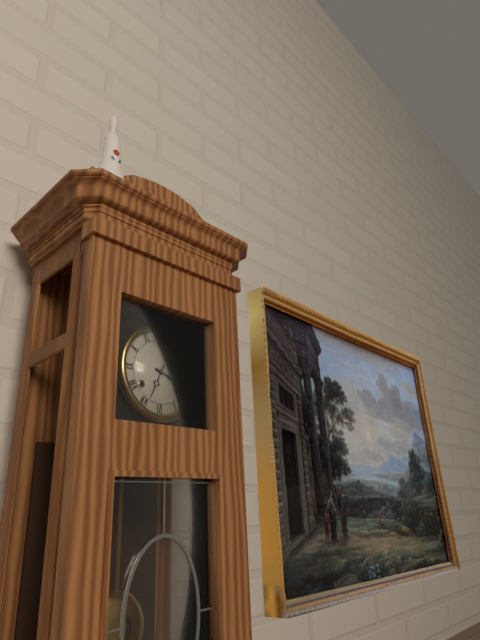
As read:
{"hour": 3, "minute": 34}
